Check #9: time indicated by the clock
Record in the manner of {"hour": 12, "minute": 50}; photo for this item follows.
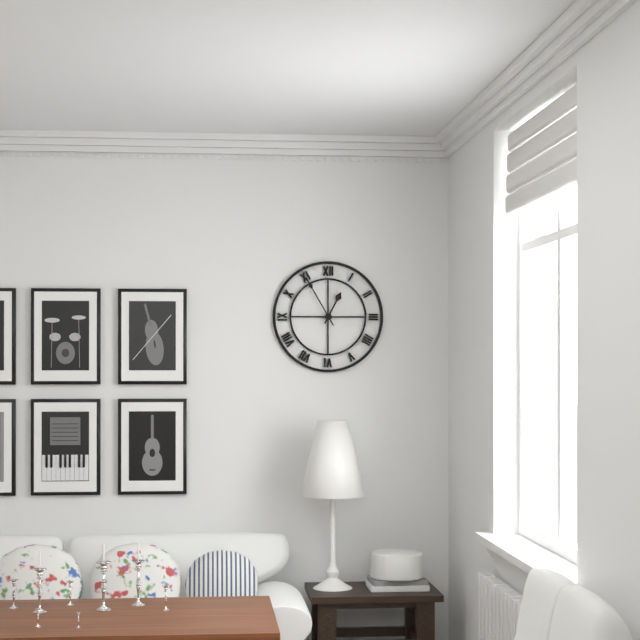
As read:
{"hour": 12, "minute": 55}
